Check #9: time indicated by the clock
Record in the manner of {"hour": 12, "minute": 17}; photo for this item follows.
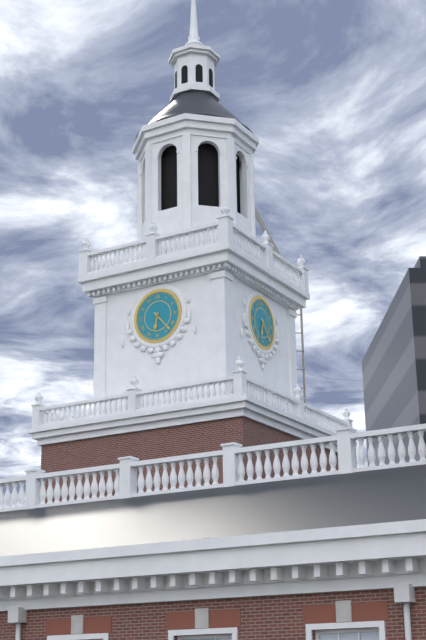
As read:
{"hour": 6, "minute": 23}
